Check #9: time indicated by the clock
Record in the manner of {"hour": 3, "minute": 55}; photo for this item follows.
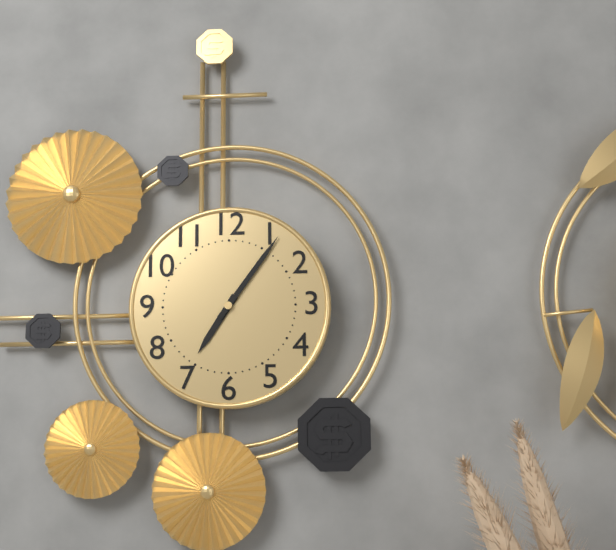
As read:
{"hour": 7, "minute": 6}
